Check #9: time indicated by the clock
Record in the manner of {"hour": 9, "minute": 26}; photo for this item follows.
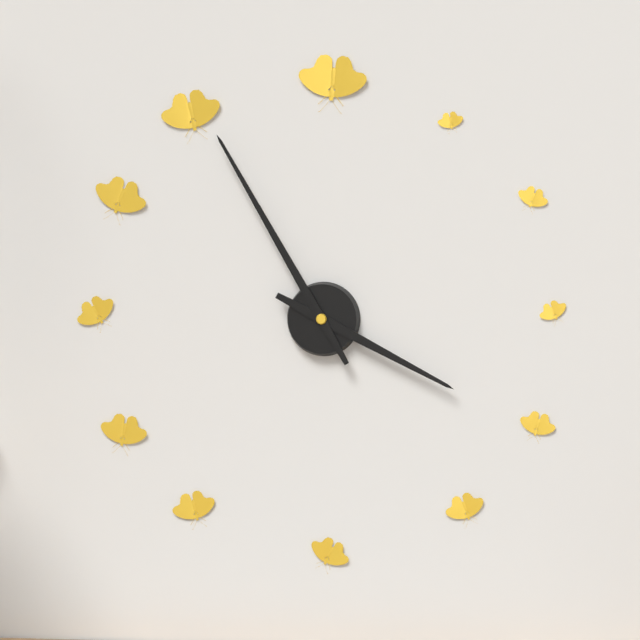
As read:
{"hour": 3, "minute": 55}
